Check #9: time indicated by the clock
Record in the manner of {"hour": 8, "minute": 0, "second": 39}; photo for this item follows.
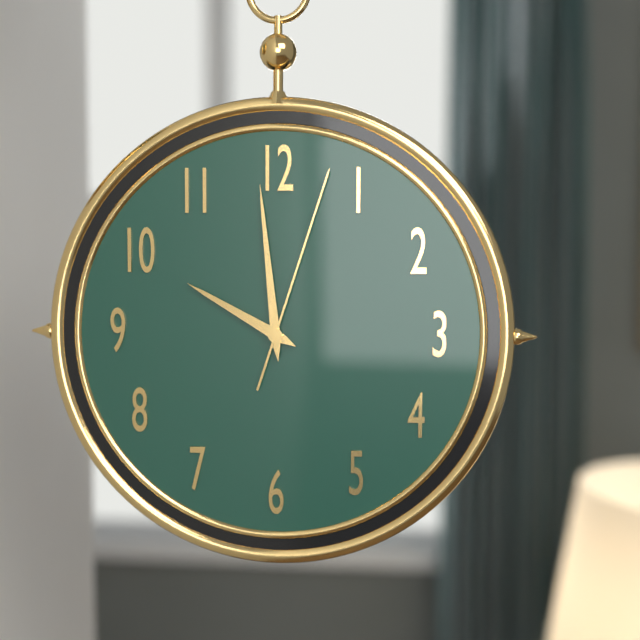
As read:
{"hour": 9, "minute": 59, "second": 3}
